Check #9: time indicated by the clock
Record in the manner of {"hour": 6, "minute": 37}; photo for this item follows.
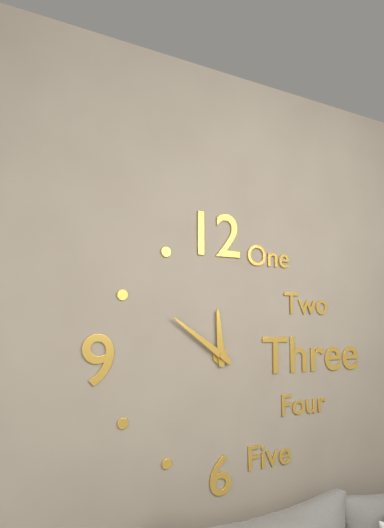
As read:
{"hour": 11, "minute": 51}
